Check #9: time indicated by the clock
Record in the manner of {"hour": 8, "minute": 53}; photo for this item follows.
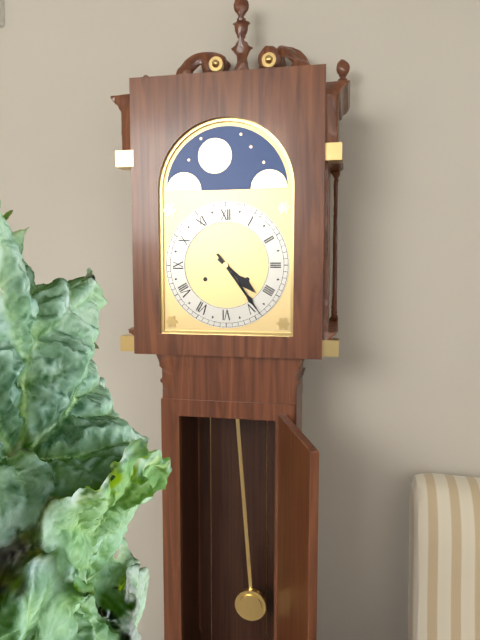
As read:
{"hour": 4, "minute": 24}
